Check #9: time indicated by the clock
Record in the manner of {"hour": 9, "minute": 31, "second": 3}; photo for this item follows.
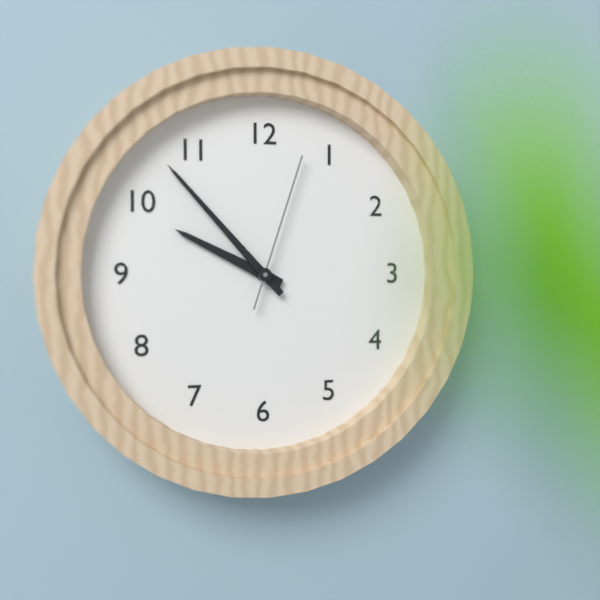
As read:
{"hour": 9, "minute": 53, "second": 3}
